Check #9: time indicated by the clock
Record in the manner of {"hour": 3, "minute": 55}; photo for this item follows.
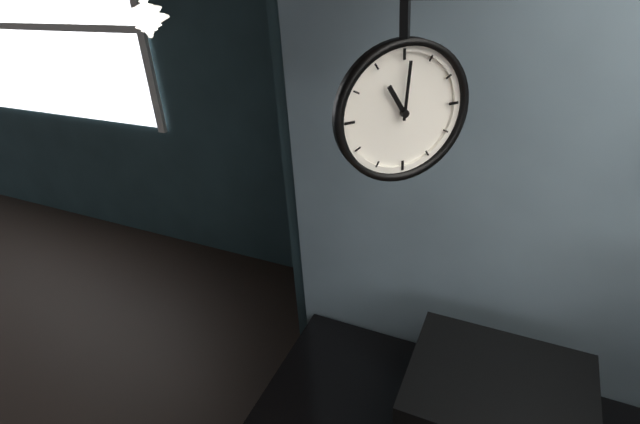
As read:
{"hour": 11, "minute": 1}
